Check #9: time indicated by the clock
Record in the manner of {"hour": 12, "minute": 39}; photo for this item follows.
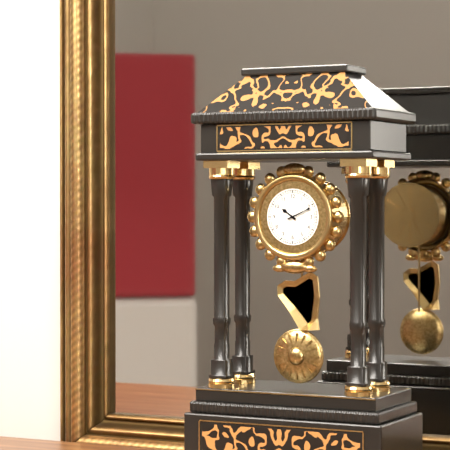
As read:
{"hour": 10, "minute": 11}
